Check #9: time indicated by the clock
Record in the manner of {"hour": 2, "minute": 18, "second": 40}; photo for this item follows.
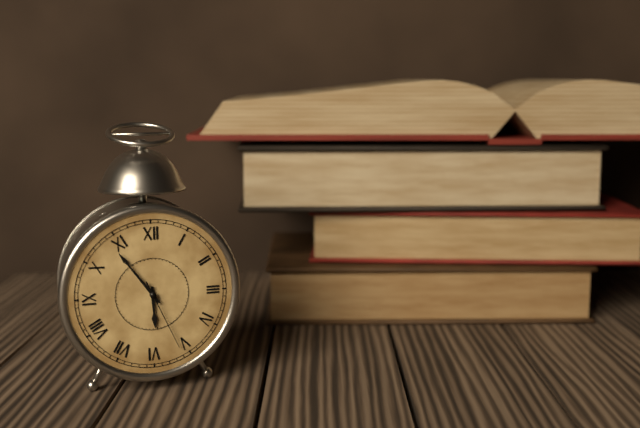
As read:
{"hour": 5, "minute": 54, "second": 26}
